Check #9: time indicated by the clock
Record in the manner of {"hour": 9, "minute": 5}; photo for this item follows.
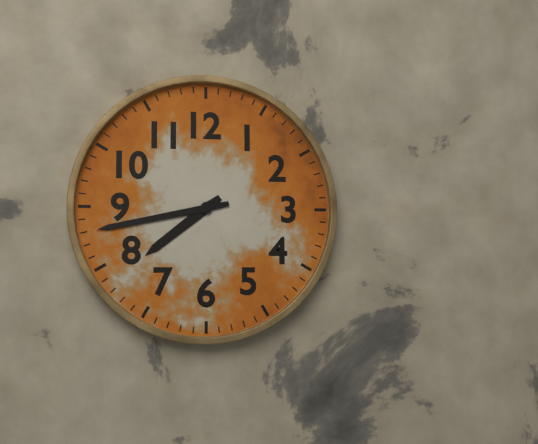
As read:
{"hour": 7, "minute": 43}
